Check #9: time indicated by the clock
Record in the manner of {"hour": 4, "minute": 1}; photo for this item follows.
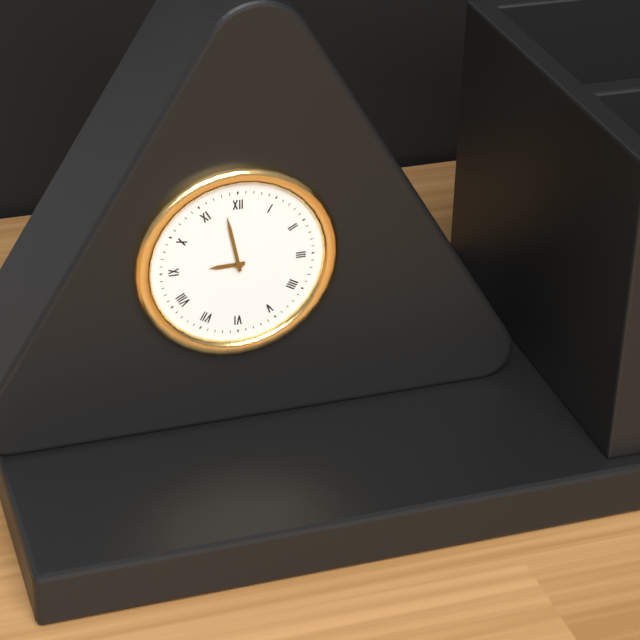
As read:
{"hour": 8, "minute": 58}
